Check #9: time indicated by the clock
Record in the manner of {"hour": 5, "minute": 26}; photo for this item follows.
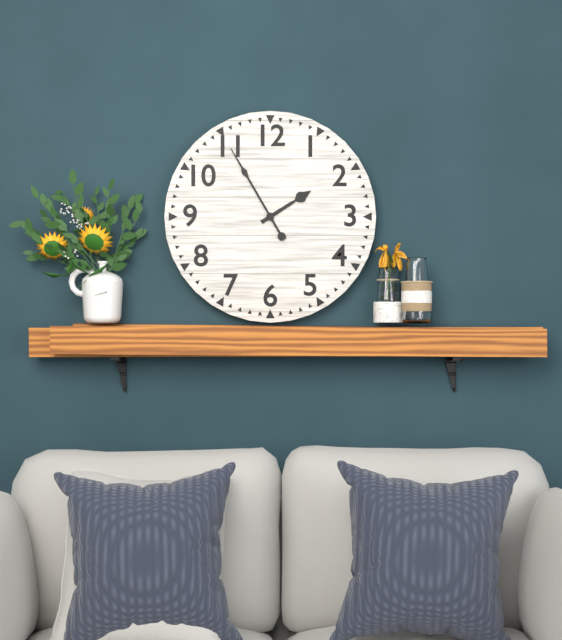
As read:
{"hour": 1, "minute": 55}
